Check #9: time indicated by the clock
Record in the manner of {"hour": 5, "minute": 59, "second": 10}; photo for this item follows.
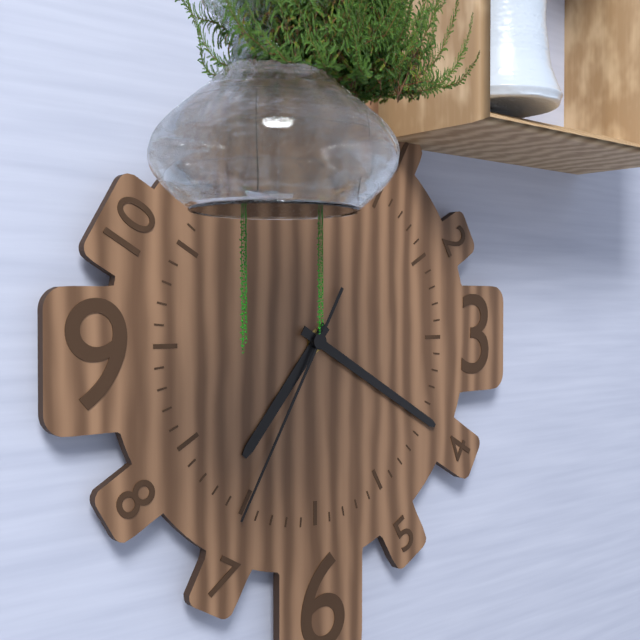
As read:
{"hour": 7, "minute": 20, "second": 35}
